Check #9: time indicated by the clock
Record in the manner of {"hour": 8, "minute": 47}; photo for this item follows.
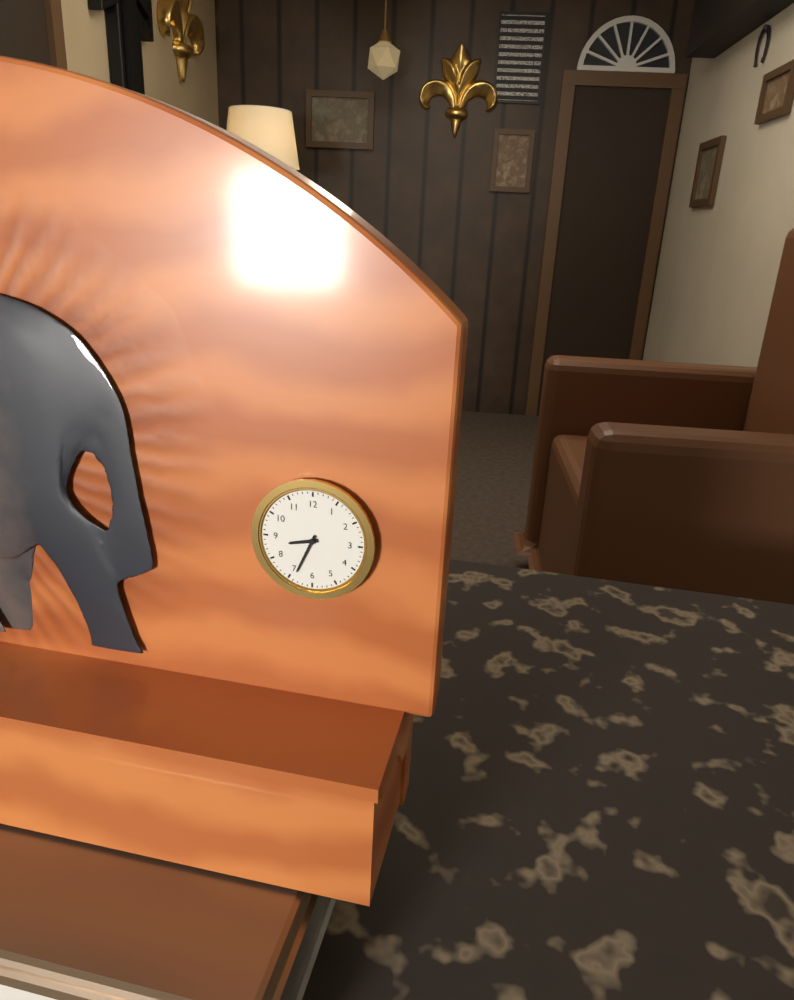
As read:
{"hour": 8, "minute": 34}
